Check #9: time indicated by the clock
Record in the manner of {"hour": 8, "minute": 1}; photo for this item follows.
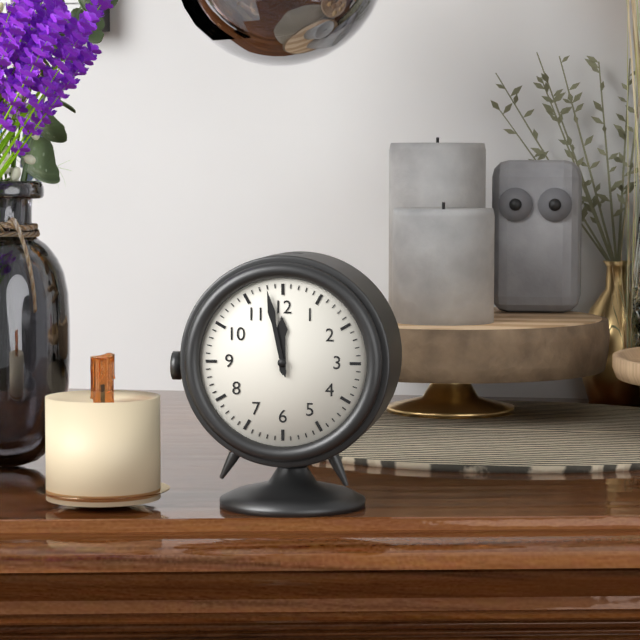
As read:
{"hour": 11, "minute": 58}
